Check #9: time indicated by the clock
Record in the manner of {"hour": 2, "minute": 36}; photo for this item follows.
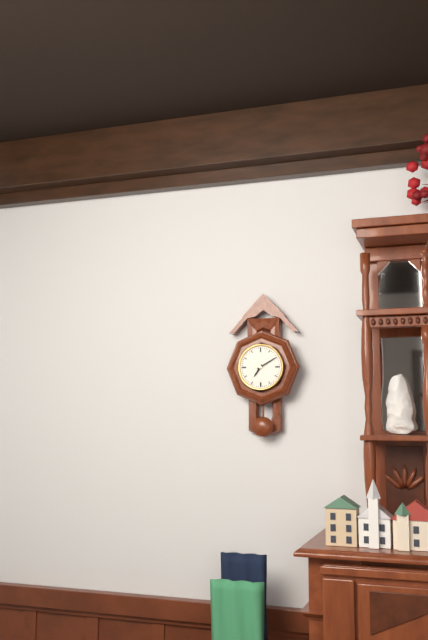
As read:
{"hour": 7, "minute": 10}
